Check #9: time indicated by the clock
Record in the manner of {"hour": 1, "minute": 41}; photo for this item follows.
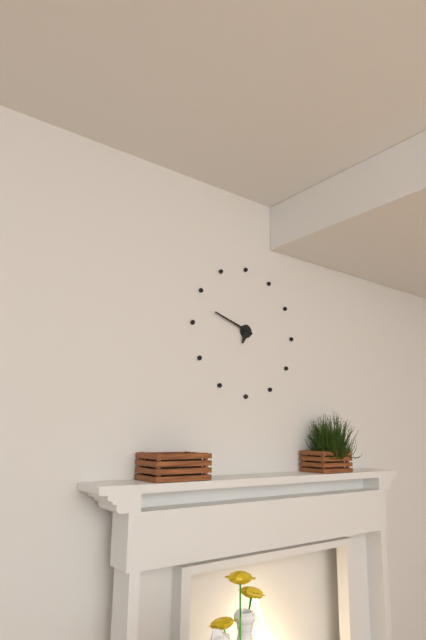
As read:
{"hour": 6, "minute": 48}
